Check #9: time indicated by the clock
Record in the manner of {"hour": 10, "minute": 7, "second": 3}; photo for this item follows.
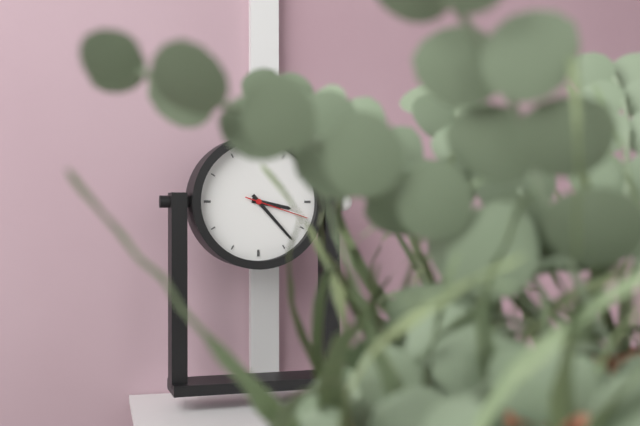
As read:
{"hour": 3, "minute": 23, "second": 18}
